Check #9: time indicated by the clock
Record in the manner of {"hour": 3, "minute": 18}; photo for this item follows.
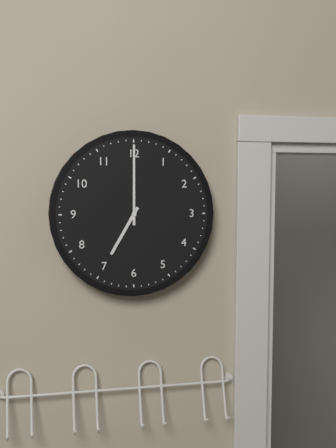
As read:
{"hour": 7, "minute": 0}
